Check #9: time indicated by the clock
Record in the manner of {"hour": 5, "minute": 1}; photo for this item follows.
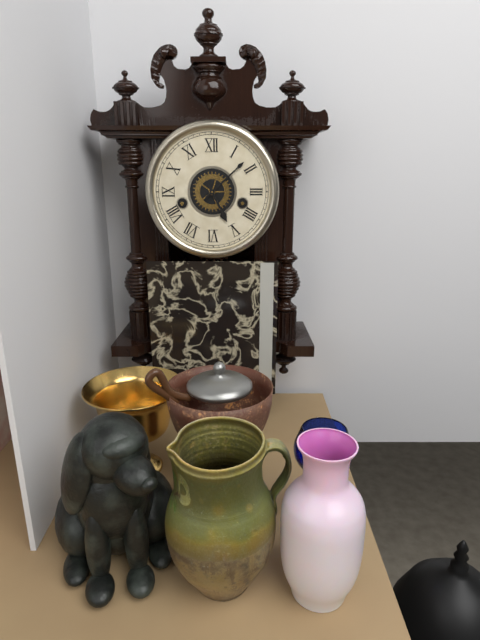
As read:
{"hour": 5, "minute": 8}
